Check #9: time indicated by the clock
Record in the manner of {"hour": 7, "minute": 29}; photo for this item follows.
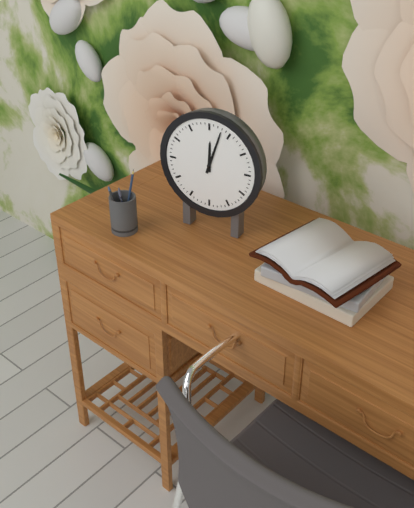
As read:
{"hour": 12, "minute": 3}
